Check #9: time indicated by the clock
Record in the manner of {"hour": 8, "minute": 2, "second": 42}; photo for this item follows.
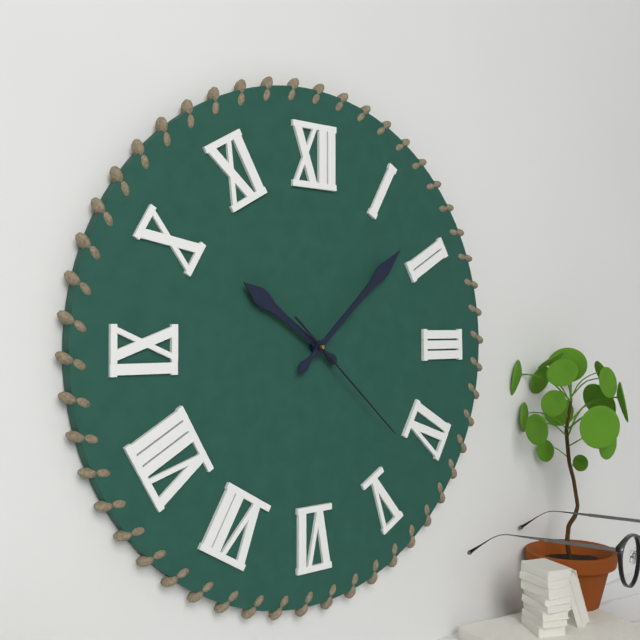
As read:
{"hour": 10, "minute": 8, "second": 22}
